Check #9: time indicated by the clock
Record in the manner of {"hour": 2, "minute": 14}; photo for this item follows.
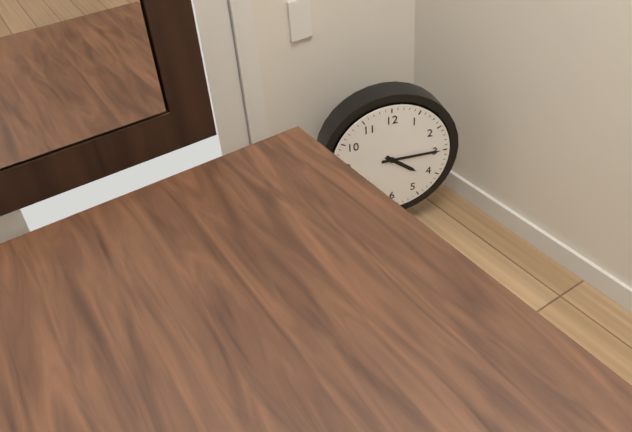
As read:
{"hour": 4, "minute": 15}
